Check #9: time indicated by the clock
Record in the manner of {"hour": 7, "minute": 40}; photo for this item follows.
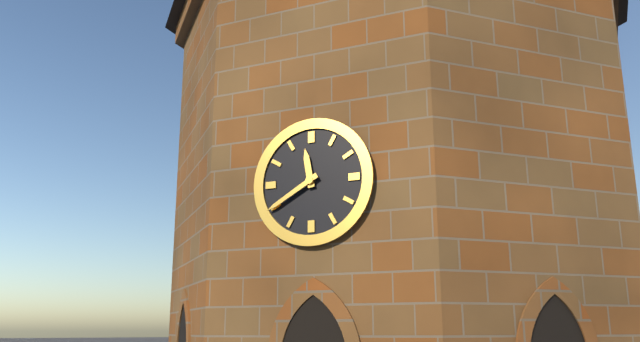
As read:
{"hour": 11, "minute": 40}
